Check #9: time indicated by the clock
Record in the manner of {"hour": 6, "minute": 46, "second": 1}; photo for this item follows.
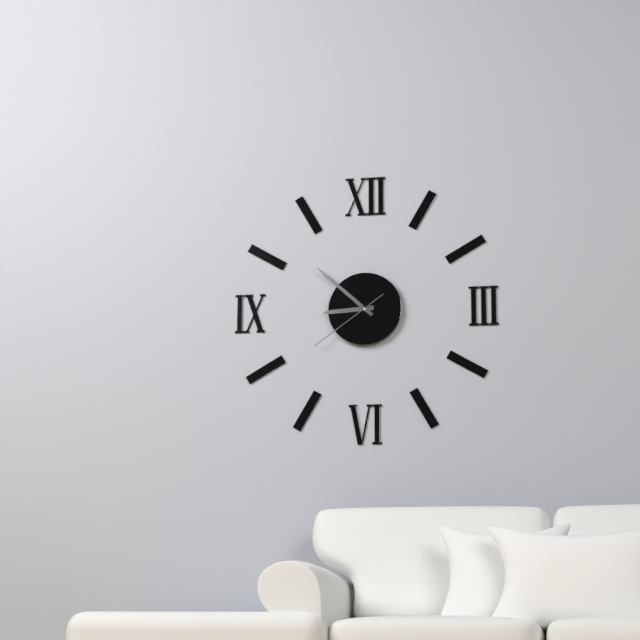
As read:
{"hour": 8, "minute": 52, "second": 39}
